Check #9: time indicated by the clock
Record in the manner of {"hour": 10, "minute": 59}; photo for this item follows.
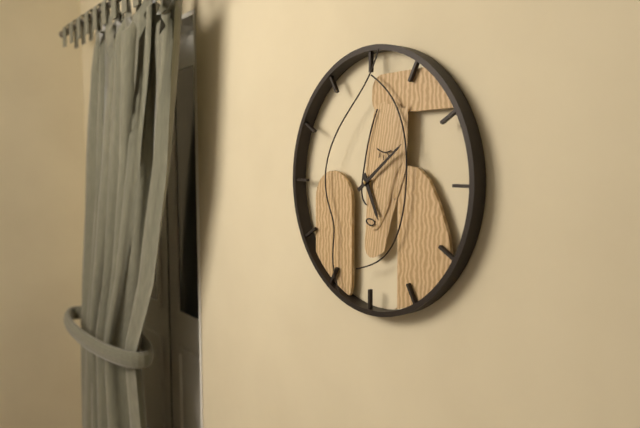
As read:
{"hour": 5, "minute": 9}
